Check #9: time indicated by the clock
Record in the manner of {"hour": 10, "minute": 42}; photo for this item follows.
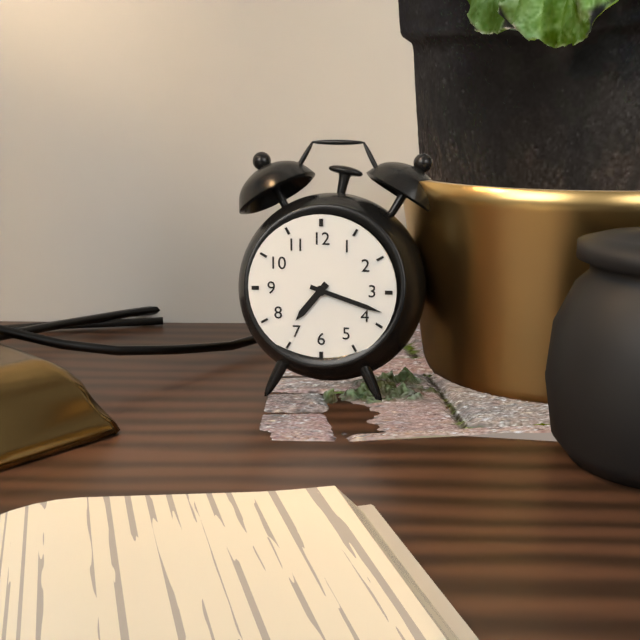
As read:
{"hour": 7, "minute": 18}
